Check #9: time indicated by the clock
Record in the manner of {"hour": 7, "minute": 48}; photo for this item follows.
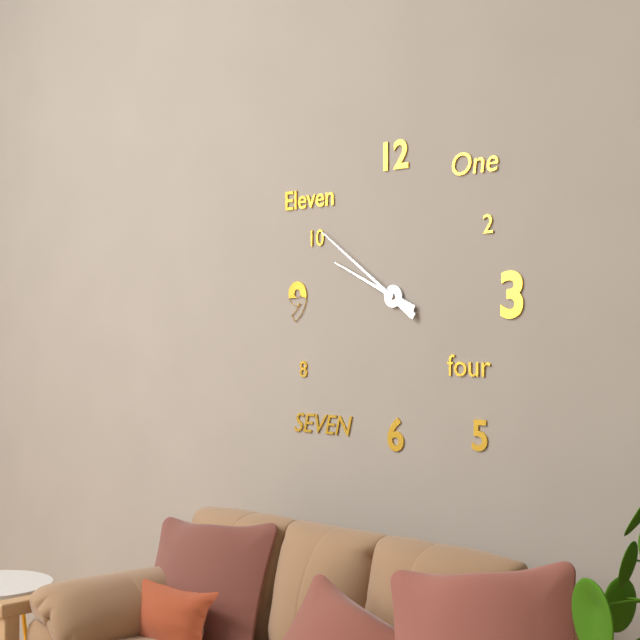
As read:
{"hour": 9, "minute": 51}
